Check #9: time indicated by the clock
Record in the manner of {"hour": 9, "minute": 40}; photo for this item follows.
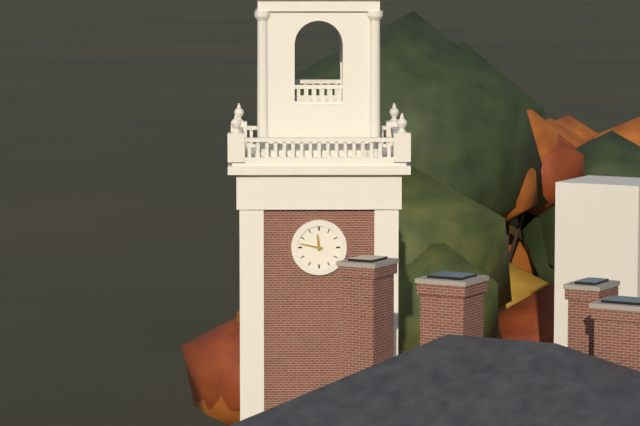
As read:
{"hour": 11, "minute": 47}
